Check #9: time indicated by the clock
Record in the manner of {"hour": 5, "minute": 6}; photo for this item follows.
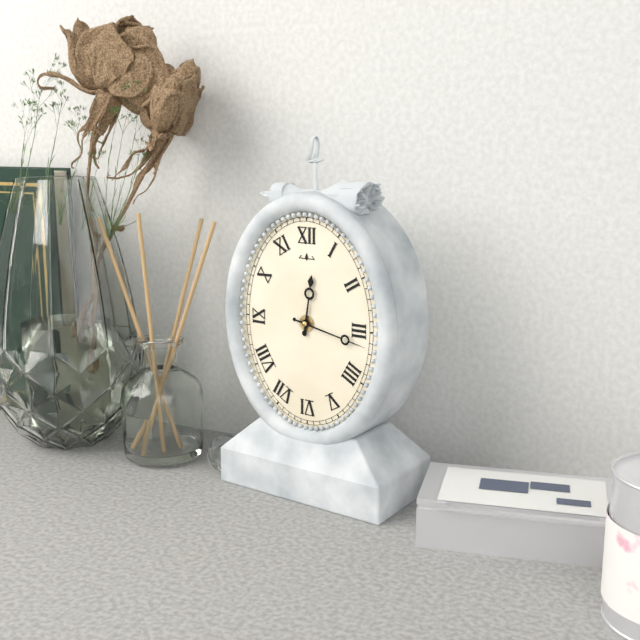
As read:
{"hour": 12, "minute": 17}
